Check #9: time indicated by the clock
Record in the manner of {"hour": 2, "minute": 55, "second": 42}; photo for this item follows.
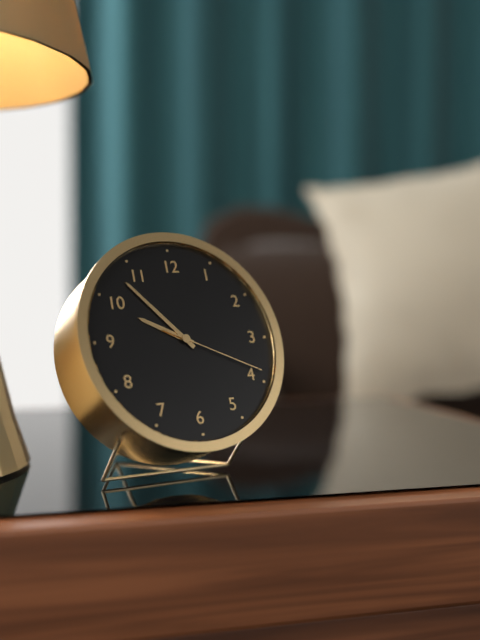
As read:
{"hour": 9, "minute": 53, "second": 19}
